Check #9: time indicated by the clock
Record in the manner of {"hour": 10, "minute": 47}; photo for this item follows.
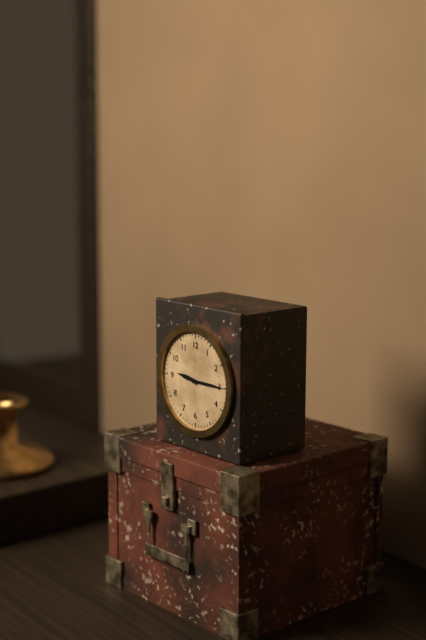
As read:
{"hour": 9, "minute": 15}
